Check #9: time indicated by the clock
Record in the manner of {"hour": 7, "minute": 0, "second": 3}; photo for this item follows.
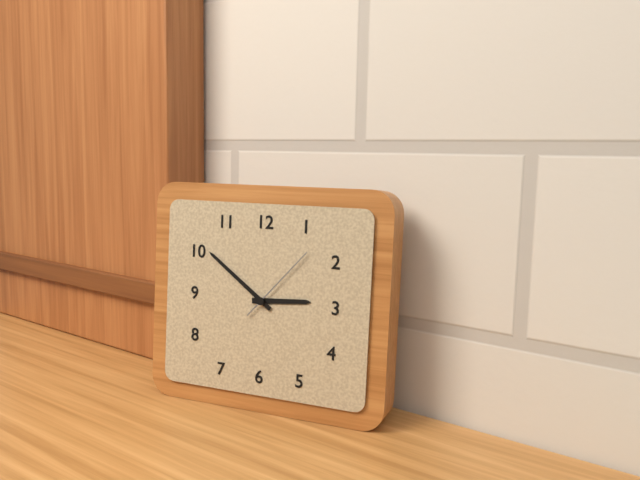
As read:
{"hour": 2, "minute": 51, "second": 7}
